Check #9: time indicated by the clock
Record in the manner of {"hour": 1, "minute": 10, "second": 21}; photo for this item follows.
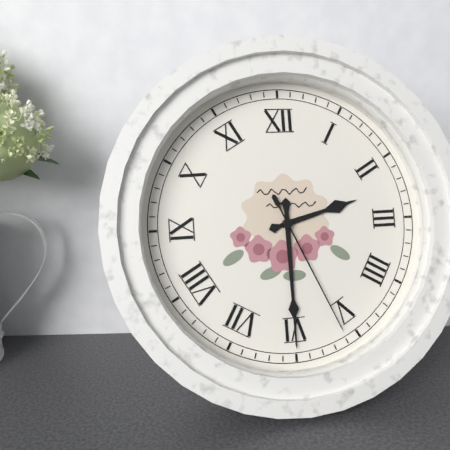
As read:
{"hour": 2, "minute": 30, "second": 26}
